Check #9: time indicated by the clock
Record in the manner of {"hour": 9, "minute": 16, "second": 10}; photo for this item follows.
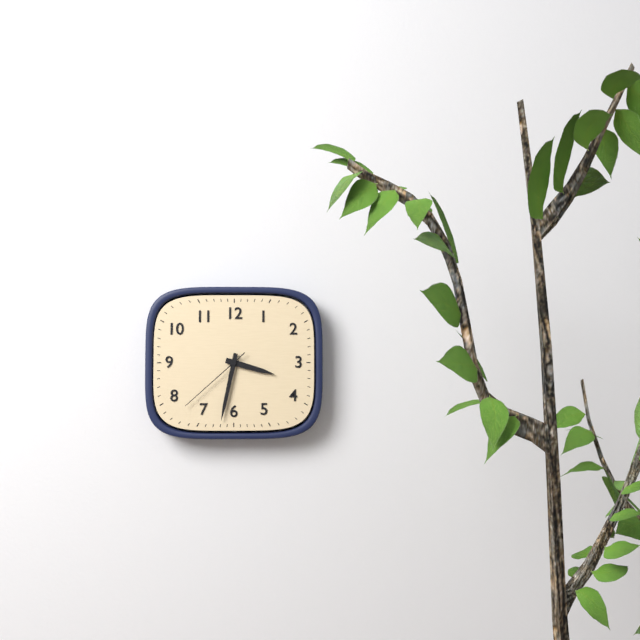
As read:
{"hour": 3, "minute": 32, "second": 38}
